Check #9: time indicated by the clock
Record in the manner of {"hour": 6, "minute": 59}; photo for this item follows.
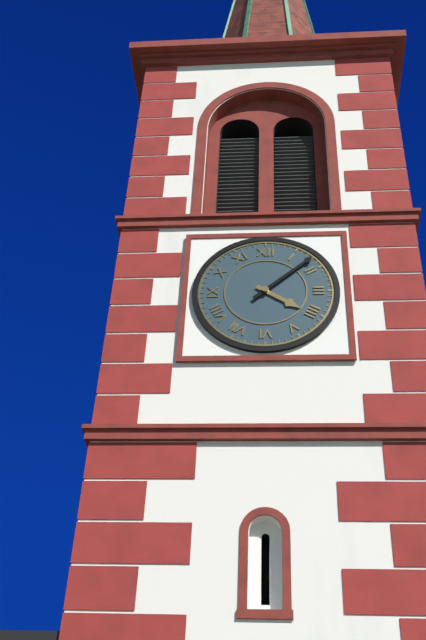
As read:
{"hour": 4, "minute": 8}
